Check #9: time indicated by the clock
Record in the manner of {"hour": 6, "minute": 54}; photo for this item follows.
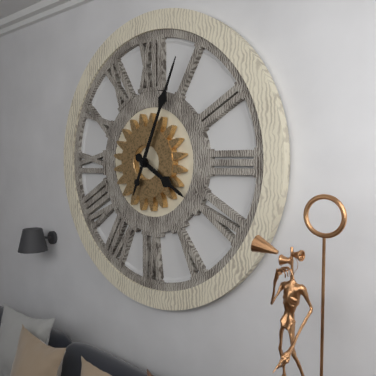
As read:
{"hour": 4, "minute": 4}
